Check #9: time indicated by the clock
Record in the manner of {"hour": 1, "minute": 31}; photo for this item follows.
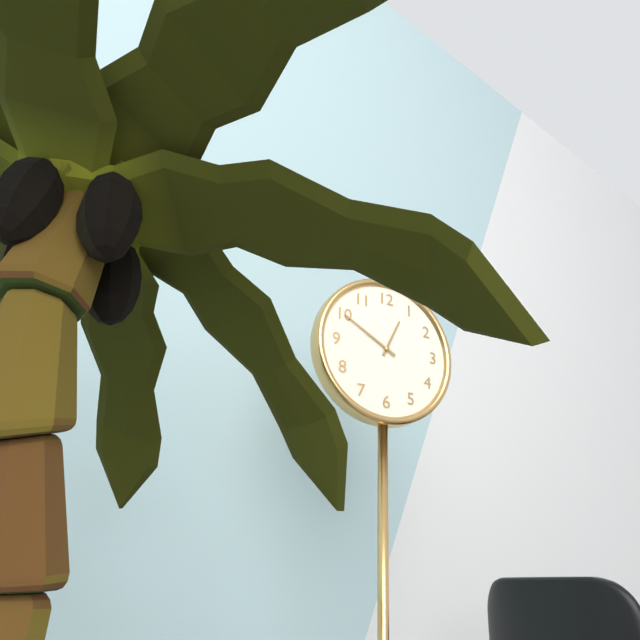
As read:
{"hour": 12, "minute": 50}
